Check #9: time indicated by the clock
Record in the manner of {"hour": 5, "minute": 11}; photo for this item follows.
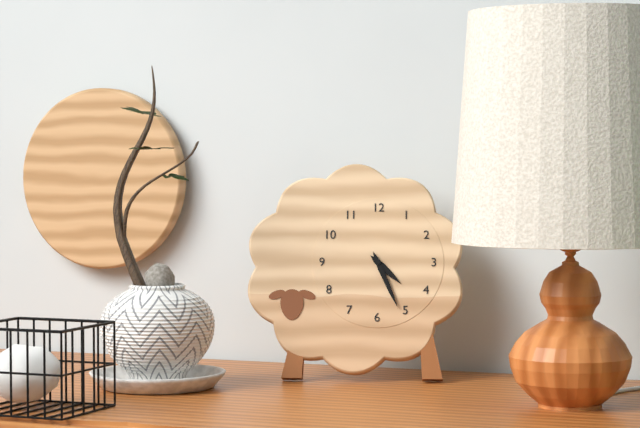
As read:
{"hour": 4, "minute": 26}
